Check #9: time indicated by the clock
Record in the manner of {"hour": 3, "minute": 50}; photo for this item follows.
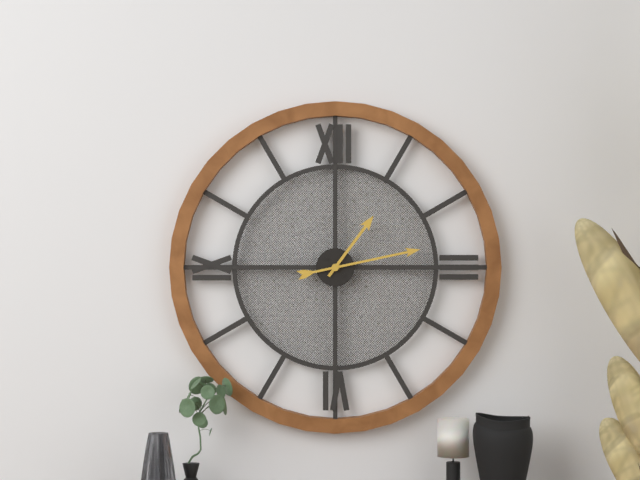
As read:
{"hour": 1, "minute": 13}
